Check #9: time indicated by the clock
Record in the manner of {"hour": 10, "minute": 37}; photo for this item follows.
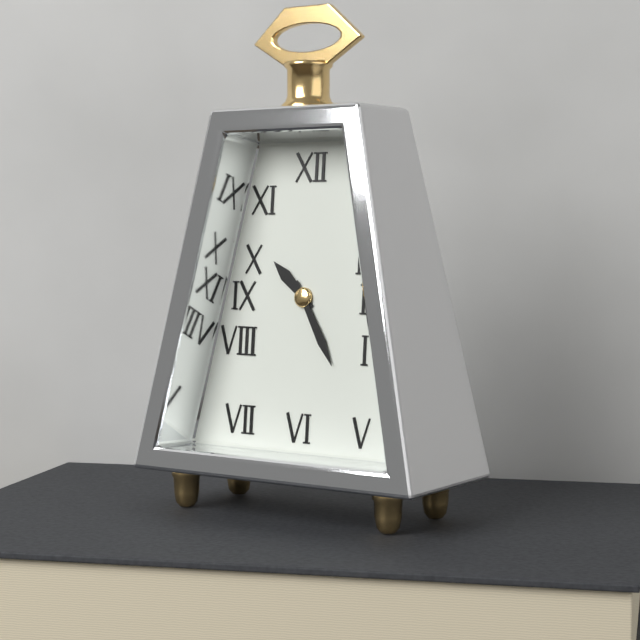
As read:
{"hour": 10, "minute": 25}
